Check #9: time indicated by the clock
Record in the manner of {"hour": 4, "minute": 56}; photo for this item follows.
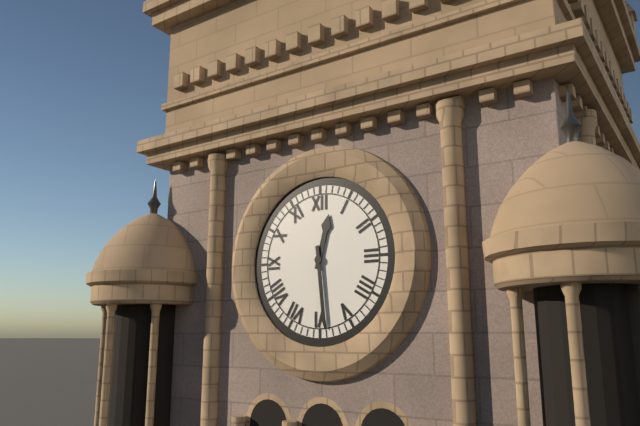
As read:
{"hour": 12, "minute": 29}
